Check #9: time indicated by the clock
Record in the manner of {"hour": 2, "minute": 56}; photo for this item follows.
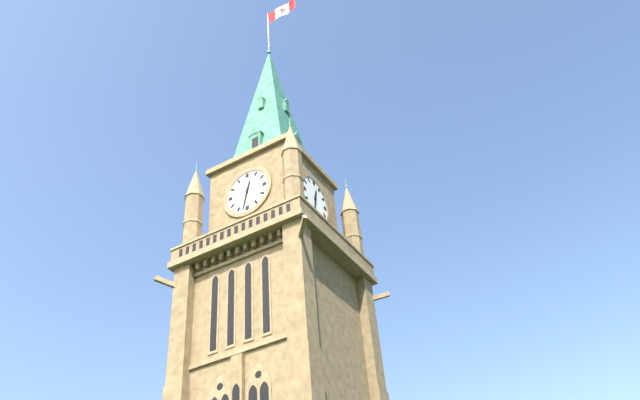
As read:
{"hour": 12, "minute": 32}
